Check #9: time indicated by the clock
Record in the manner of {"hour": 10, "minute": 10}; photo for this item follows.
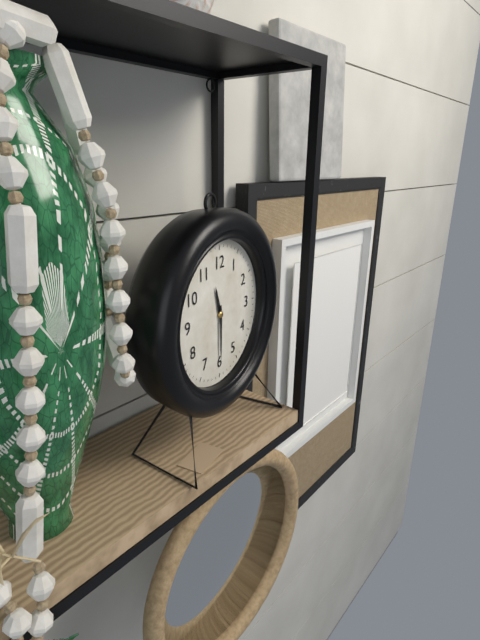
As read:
{"hour": 11, "minute": 30}
